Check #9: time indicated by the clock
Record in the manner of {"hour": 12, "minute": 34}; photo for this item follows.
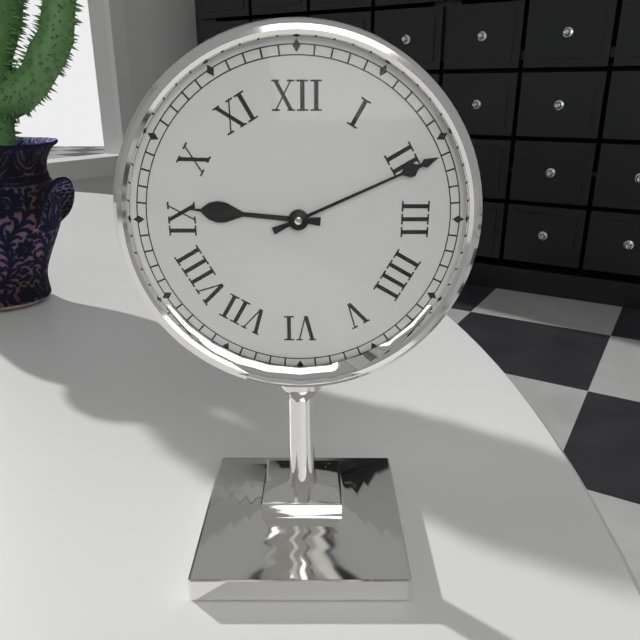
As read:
{"hour": 9, "minute": 11}
